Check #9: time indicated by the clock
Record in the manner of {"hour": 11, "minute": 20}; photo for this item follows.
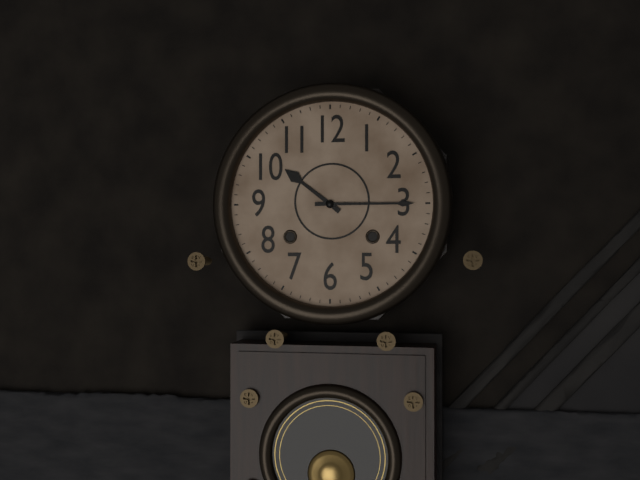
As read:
{"hour": 10, "minute": 15}
